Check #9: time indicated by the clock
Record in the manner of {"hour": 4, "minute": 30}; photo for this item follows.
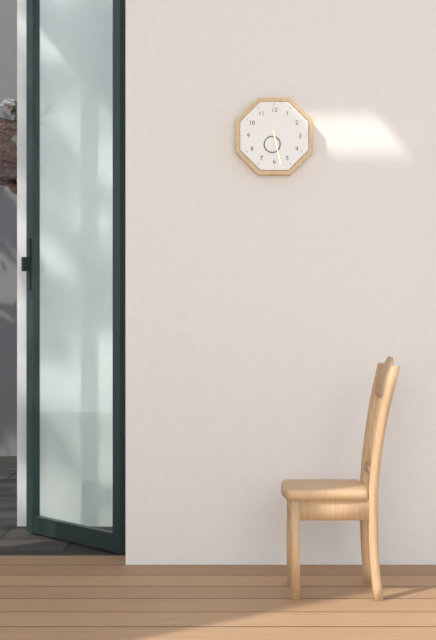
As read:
{"hour": 6, "minute": 28}
